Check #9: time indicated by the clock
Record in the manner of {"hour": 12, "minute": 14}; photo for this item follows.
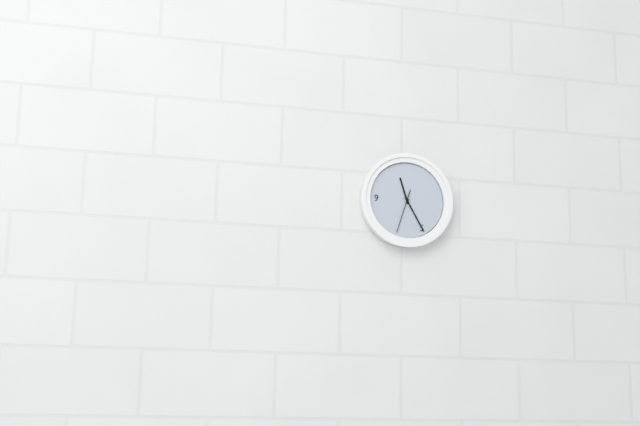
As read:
{"hour": 11, "minute": 25}
